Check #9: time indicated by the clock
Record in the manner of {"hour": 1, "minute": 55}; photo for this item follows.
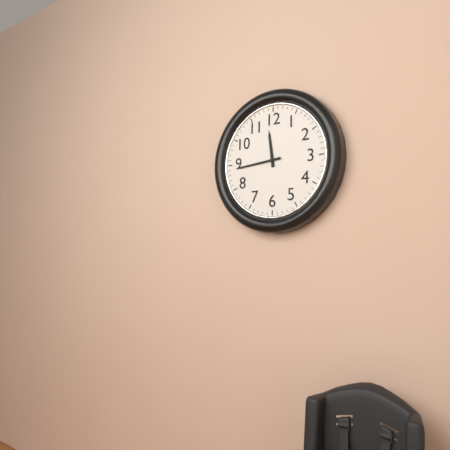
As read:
{"hour": 11, "minute": 44}
